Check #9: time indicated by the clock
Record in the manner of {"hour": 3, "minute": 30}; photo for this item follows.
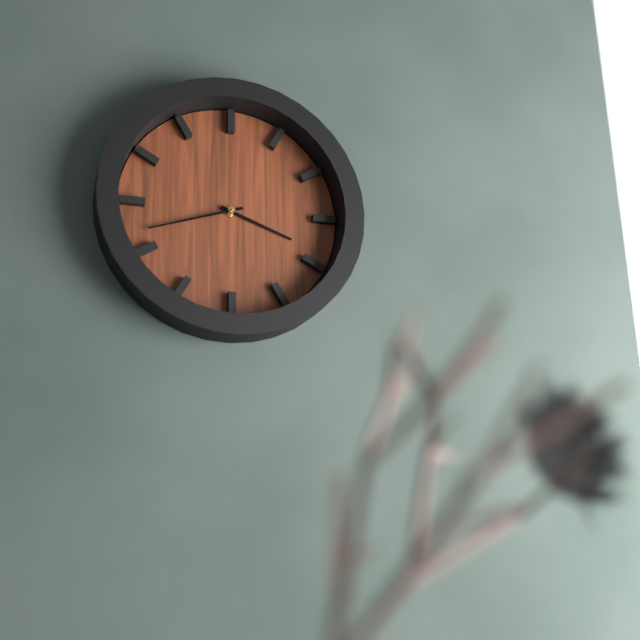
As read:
{"hour": 3, "minute": 42}
